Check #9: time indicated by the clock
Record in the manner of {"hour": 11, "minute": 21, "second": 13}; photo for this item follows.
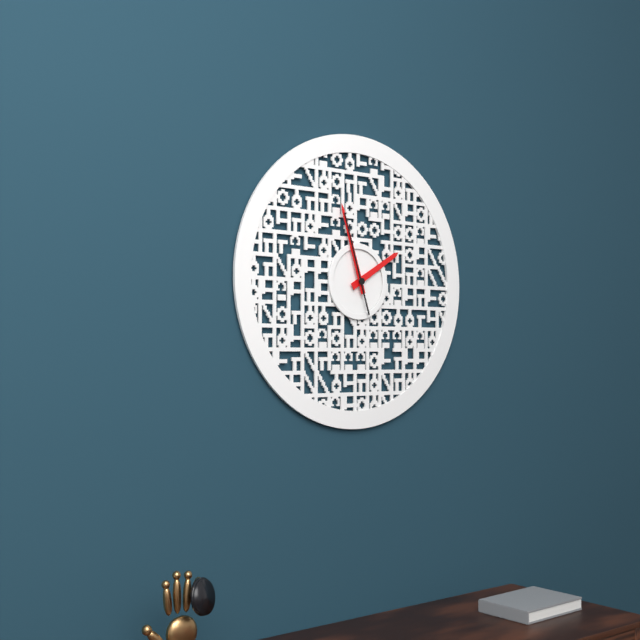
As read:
{"hour": 1, "minute": 57, "second": 57}
